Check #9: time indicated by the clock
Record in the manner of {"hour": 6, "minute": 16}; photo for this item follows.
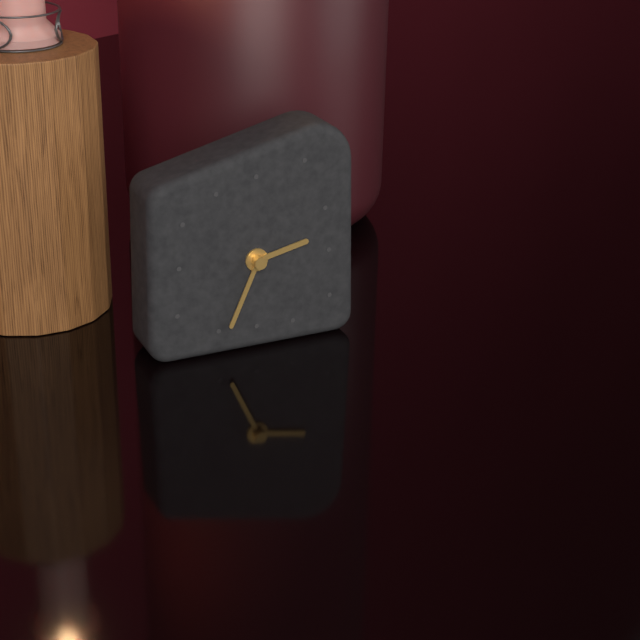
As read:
{"hour": 2, "minute": 34}
